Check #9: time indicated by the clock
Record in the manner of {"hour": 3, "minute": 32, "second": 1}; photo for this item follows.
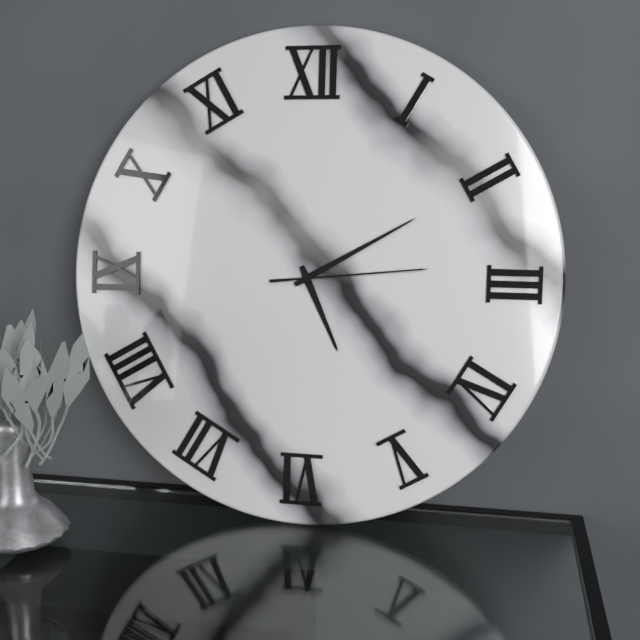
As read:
{"hour": 5, "minute": 10, "second": 14}
